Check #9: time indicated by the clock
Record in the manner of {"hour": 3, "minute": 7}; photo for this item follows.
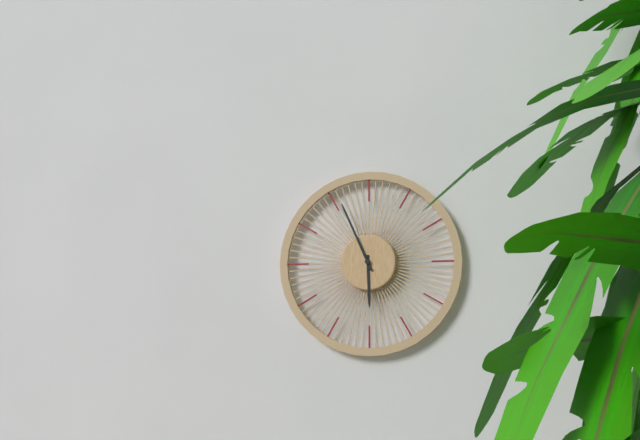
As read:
{"hour": 5, "minute": 56}
